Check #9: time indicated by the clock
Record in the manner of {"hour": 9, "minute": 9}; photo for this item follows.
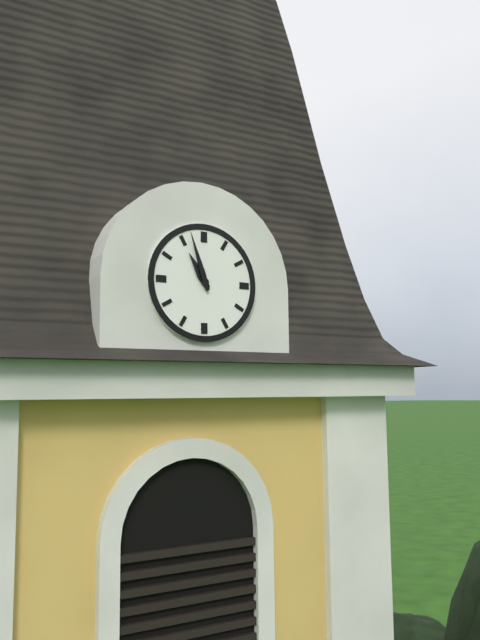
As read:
{"hour": 10, "minute": 57}
